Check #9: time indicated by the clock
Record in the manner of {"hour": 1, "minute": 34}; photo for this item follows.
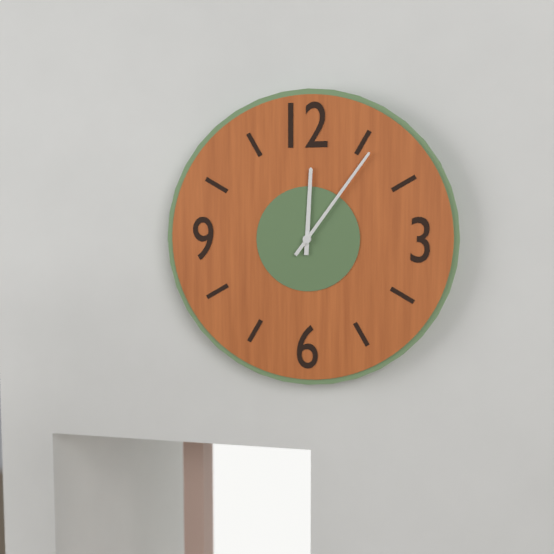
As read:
{"hour": 12, "minute": 6}
